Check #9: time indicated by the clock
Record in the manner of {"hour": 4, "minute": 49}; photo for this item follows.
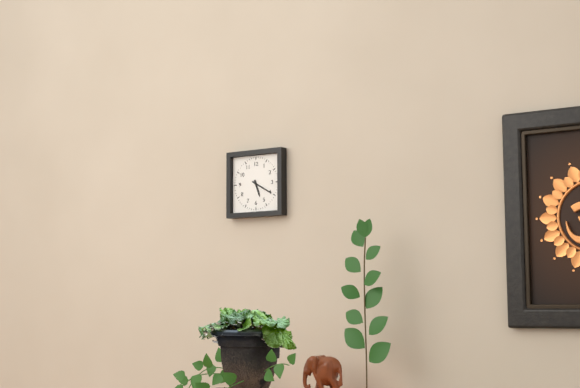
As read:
{"hour": 5, "minute": 20}
